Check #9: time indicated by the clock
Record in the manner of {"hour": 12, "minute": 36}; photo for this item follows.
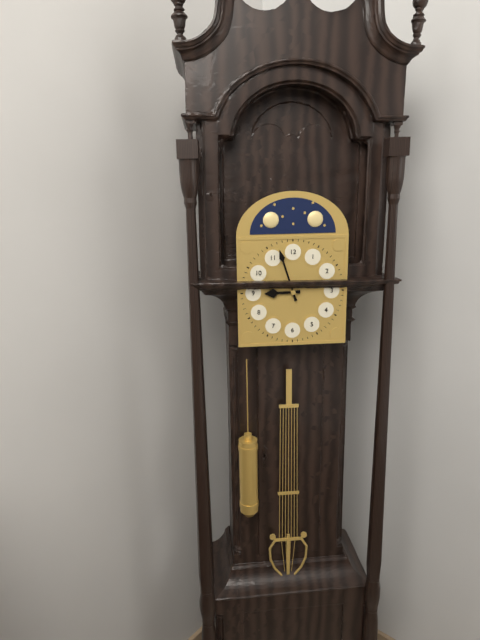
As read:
{"hour": 8, "minute": 57}
